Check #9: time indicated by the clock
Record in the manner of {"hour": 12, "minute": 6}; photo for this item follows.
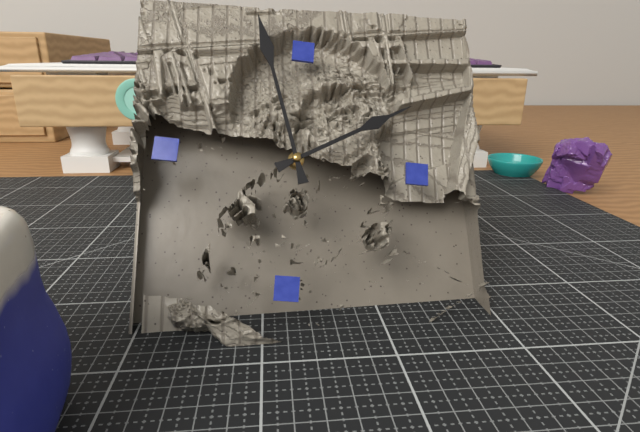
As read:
{"hour": 1, "minute": 57}
